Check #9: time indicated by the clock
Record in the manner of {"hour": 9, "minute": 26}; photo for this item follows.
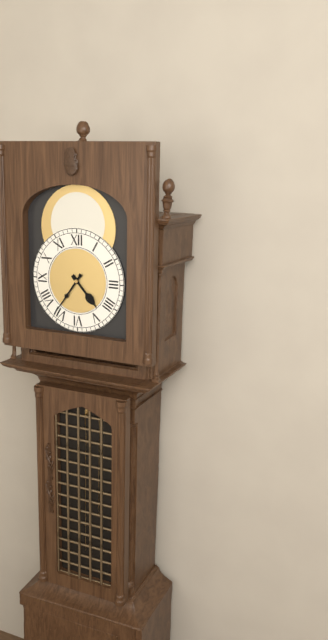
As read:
{"hour": 4, "minute": 36}
